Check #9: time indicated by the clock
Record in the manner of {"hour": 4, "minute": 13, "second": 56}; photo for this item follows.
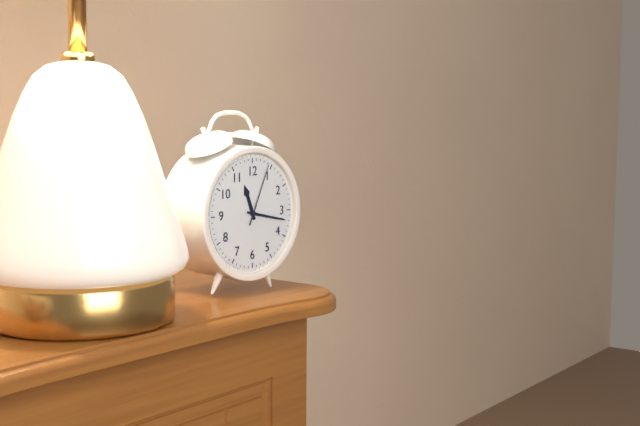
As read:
{"hour": 11, "minute": 17, "second": 4}
